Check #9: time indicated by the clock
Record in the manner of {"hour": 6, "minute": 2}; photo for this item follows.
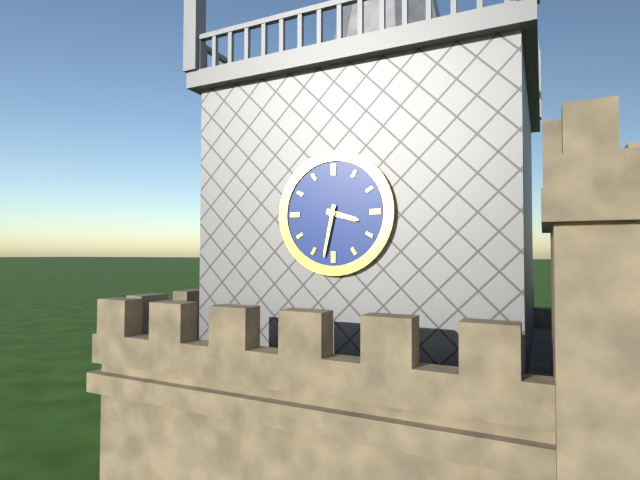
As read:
{"hour": 3, "minute": 32}
